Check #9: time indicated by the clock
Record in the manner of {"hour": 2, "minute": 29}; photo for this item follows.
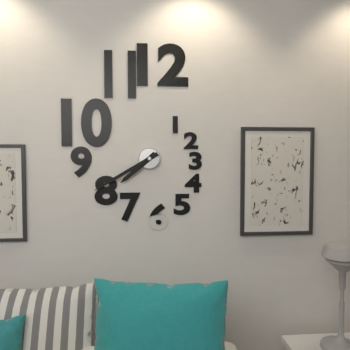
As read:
{"hour": 7, "minute": 40}
